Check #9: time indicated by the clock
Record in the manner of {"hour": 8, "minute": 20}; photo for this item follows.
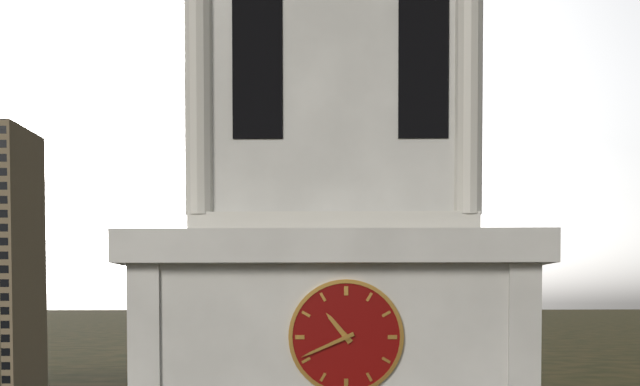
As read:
{"hour": 10, "minute": 41}
